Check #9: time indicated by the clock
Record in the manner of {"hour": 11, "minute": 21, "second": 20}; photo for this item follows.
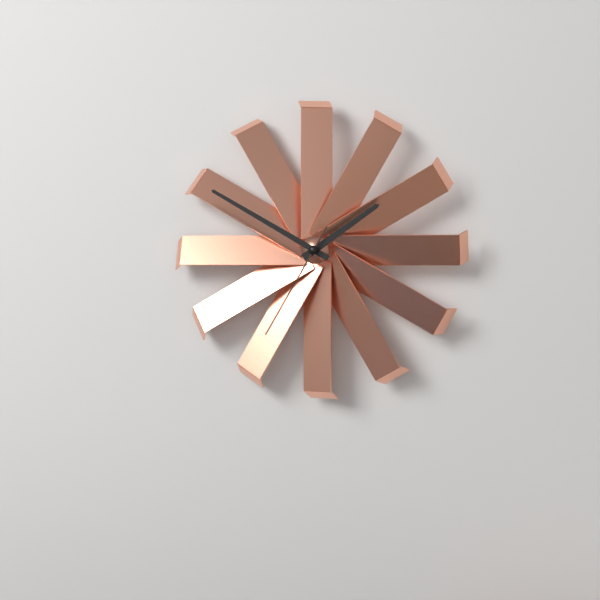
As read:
{"hour": 1, "minute": 50, "second": 35}
